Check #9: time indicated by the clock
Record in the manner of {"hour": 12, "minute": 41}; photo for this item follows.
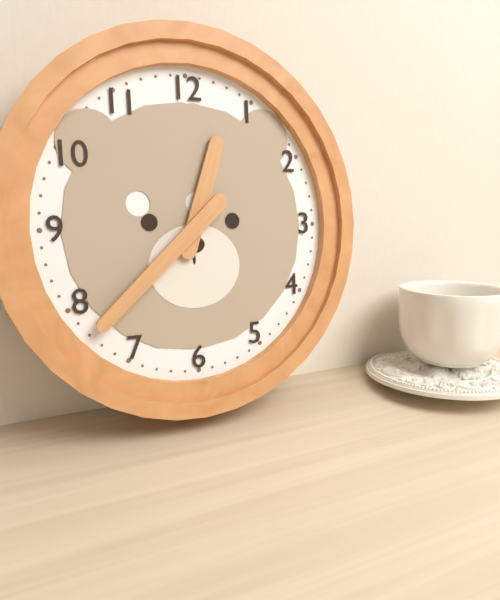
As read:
{"hour": 12, "minute": 38}
